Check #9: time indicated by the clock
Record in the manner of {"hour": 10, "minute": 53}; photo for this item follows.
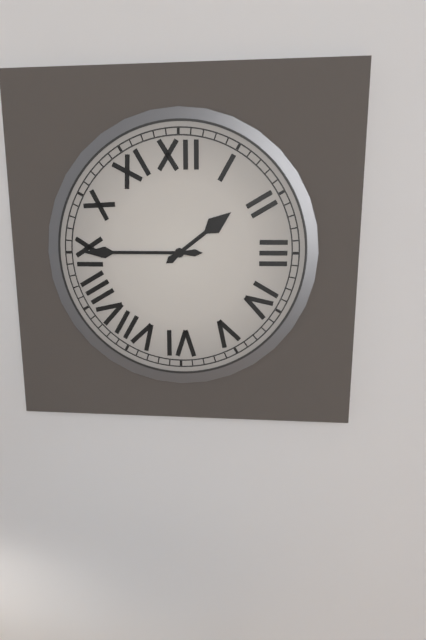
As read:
{"hour": 1, "minute": 45}
